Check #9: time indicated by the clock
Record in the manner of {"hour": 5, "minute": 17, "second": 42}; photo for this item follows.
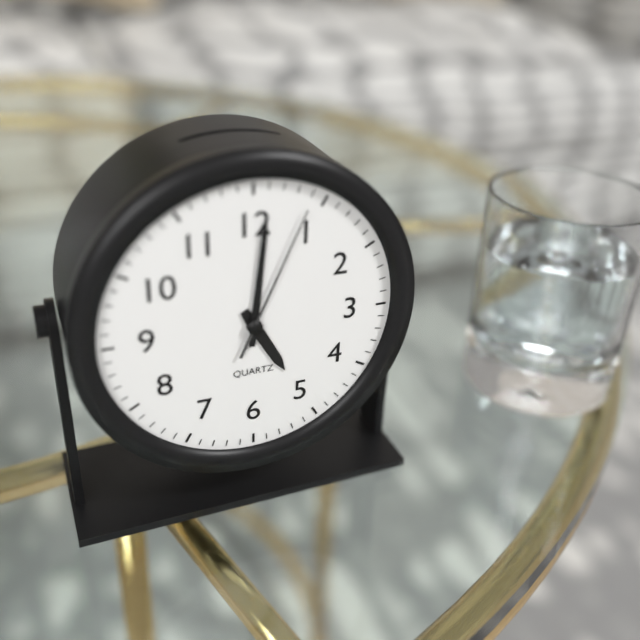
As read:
{"hour": 5, "minute": 1, "second": 4}
